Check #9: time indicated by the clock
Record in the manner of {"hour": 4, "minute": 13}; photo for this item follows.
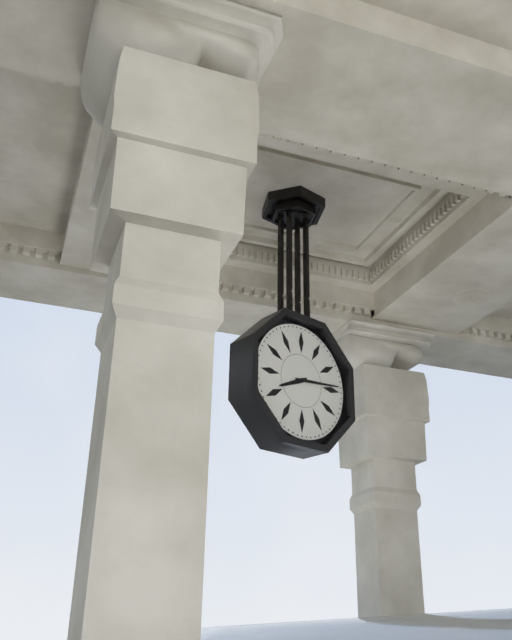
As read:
{"hour": 8, "minute": 14}
